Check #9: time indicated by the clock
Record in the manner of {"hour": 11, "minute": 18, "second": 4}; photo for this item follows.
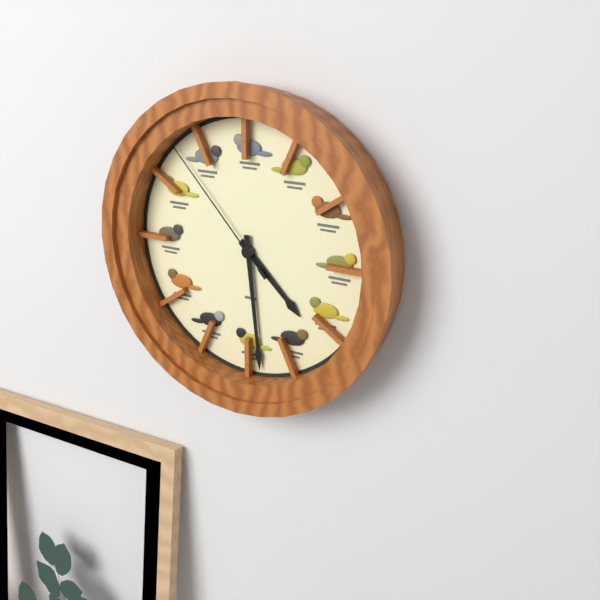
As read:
{"hour": 4, "minute": 29, "second": 53}
